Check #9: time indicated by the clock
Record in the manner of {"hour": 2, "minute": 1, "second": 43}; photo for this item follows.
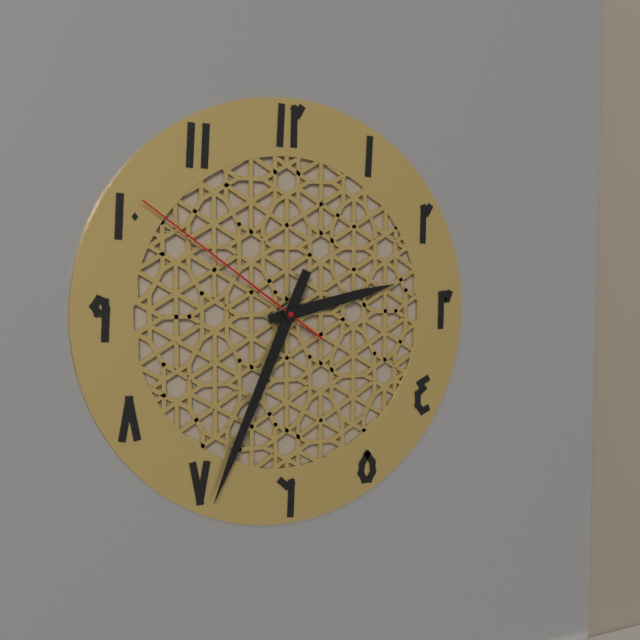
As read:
{"hour": 2, "minute": 34, "second": 51}
